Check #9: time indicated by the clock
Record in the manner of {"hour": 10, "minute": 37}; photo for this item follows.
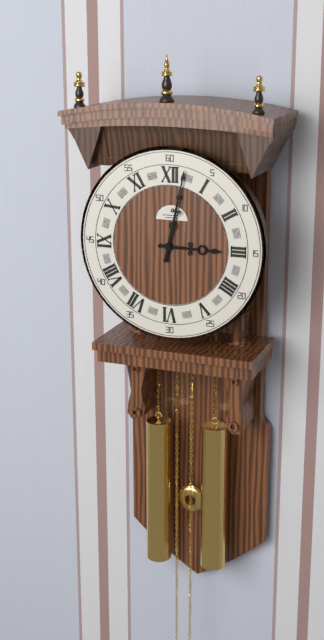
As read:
{"hour": 3, "minute": 2}
